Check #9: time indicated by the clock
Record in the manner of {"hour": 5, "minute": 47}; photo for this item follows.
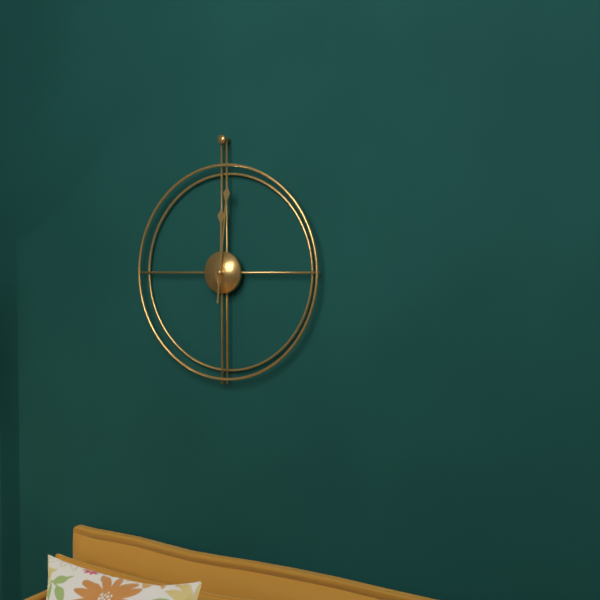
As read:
{"hour": 12, "minute": 1}
